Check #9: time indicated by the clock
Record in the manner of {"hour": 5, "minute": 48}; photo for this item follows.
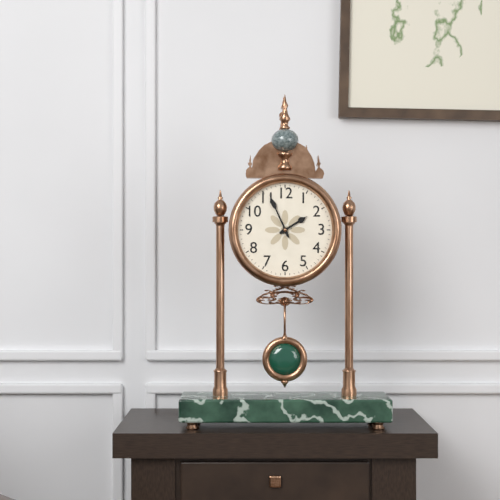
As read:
{"hour": 1, "minute": 56}
